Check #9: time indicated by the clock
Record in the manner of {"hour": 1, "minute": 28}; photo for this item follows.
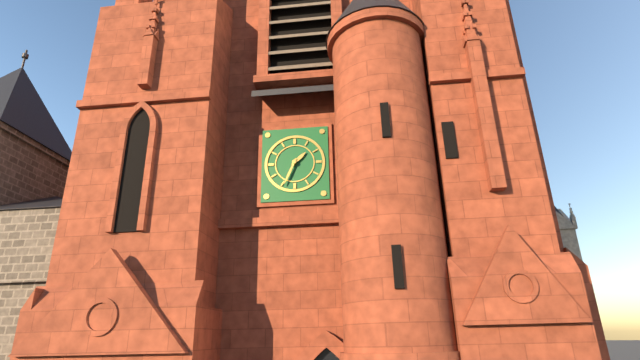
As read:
{"hour": 1, "minute": 34}
